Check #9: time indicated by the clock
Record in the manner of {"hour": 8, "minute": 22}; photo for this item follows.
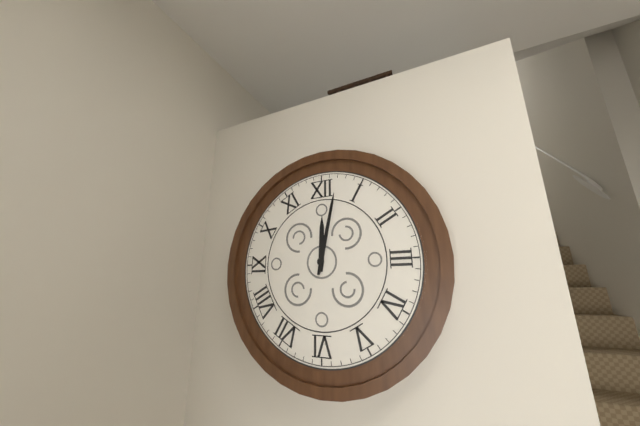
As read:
{"hour": 12, "minute": 2}
